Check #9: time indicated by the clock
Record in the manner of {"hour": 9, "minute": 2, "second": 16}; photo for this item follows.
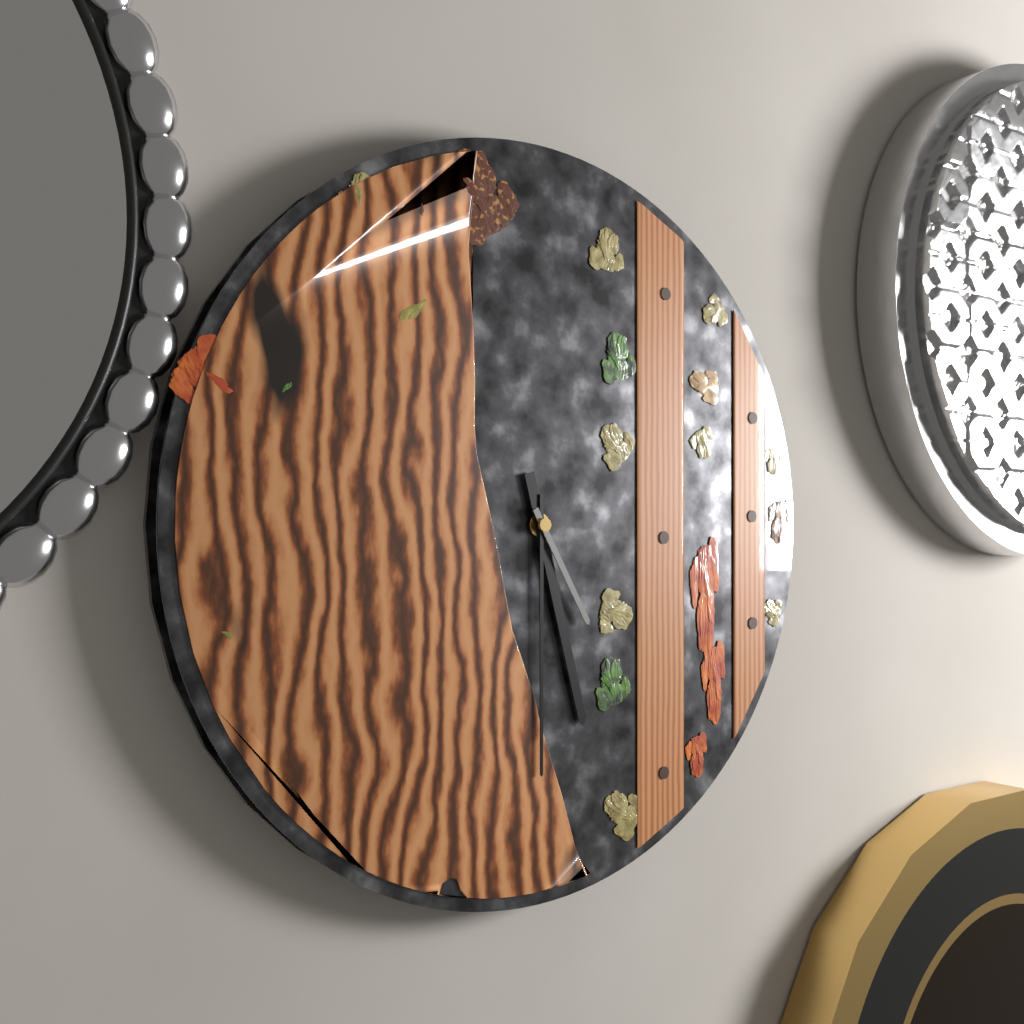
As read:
{"hour": 5, "minute": 30, "second": 25}
